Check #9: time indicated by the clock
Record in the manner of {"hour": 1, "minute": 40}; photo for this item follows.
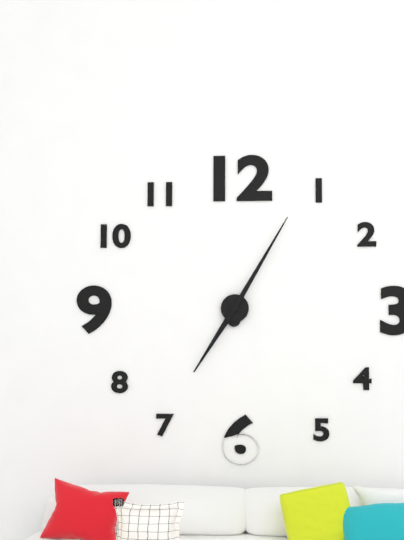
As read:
{"hour": 7, "minute": 5}
